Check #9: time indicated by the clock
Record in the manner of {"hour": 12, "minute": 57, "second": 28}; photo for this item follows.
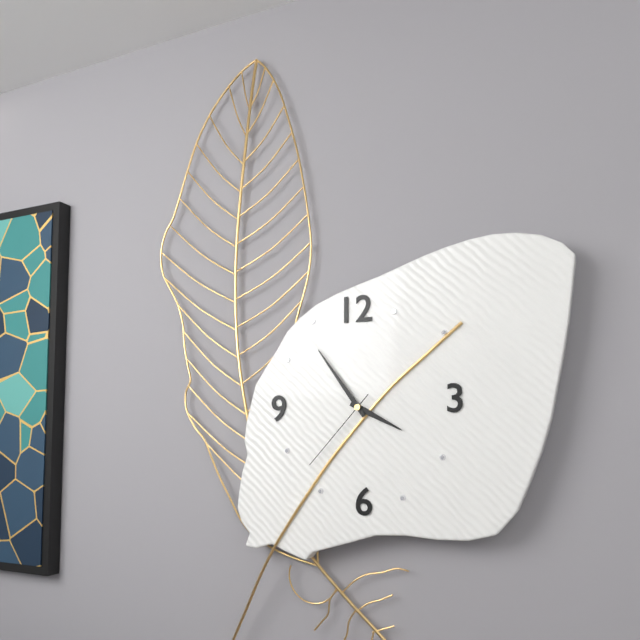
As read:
{"hour": 3, "minute": 54, "second": 37}
